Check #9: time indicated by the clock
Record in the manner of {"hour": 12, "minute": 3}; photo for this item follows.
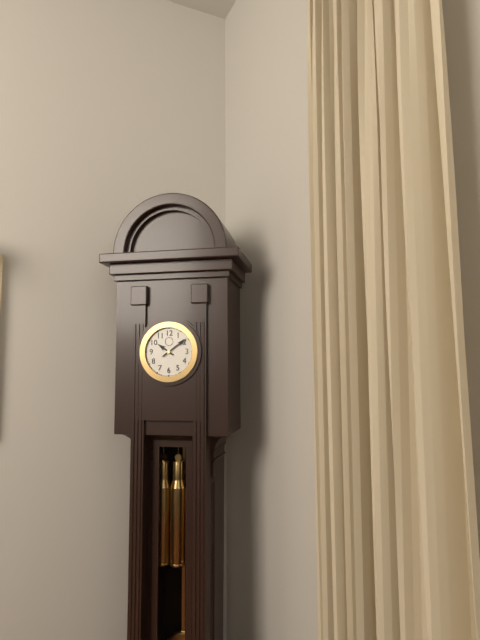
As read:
{"hour": 10, "minute": 9}
